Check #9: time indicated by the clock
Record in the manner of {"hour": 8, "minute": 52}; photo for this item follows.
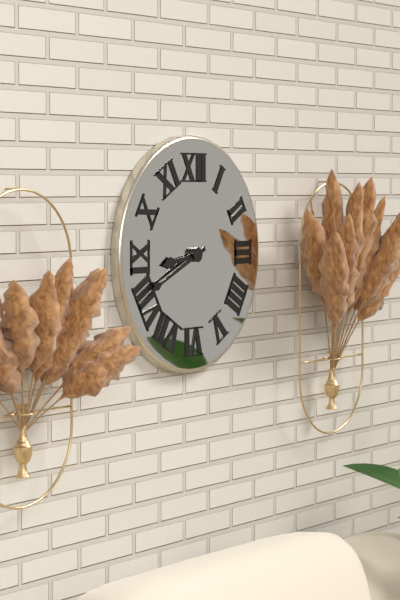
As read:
{"hour": 8, "minute": 41}
